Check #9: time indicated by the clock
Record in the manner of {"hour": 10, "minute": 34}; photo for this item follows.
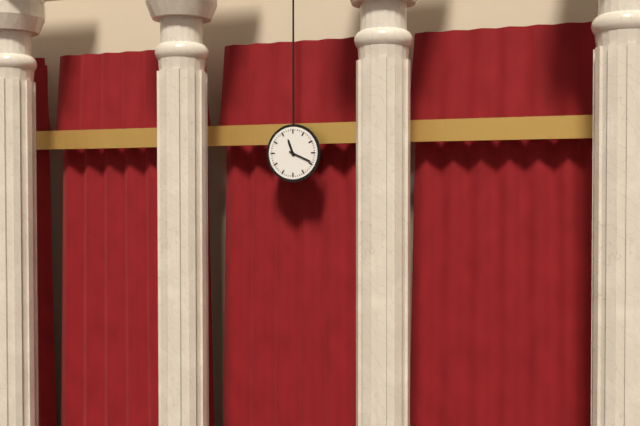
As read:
{"hour": 11, "minute": 19}
